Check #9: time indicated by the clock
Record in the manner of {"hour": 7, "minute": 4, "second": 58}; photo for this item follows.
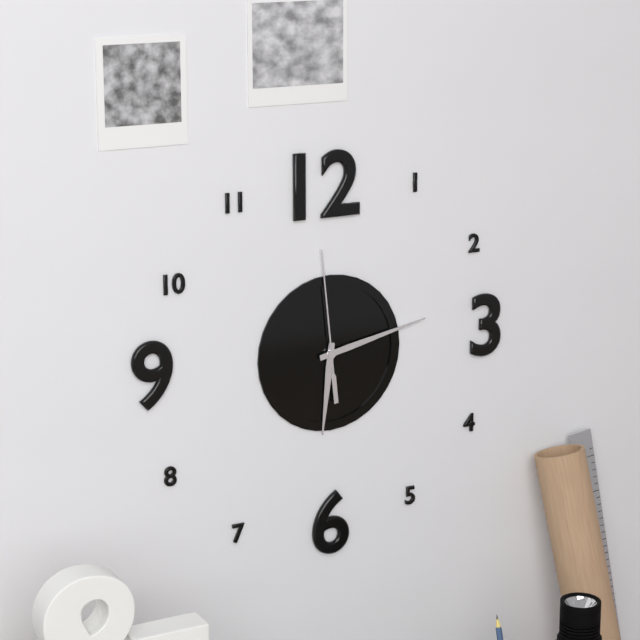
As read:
{"hour": 6, "minute": 13, "second": 59}
